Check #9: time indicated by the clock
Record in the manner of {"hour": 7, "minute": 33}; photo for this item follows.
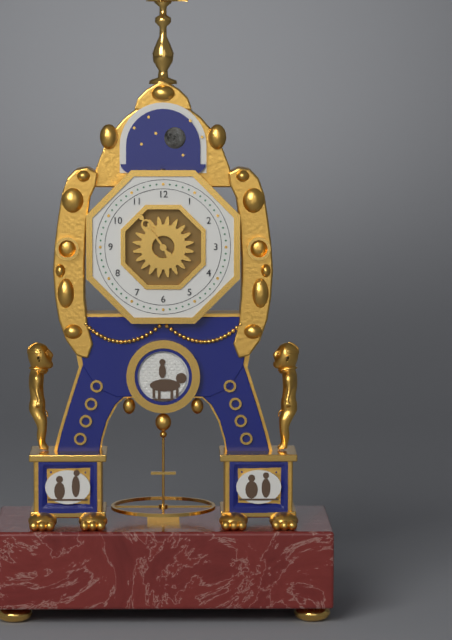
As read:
{"hour": 10, "minute": 54}
